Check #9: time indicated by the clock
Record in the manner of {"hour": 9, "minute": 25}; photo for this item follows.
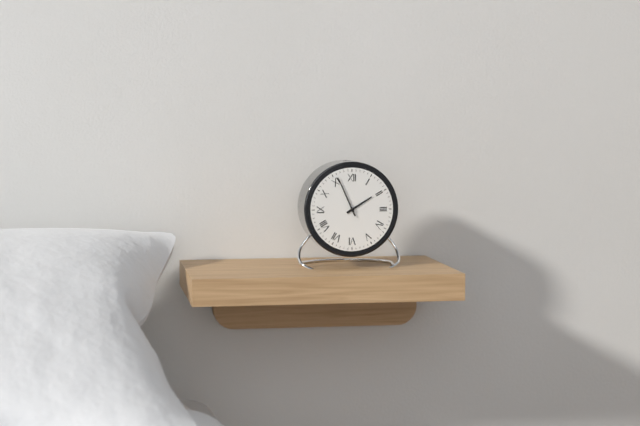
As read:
{"hour": 1, "minute": 56}
